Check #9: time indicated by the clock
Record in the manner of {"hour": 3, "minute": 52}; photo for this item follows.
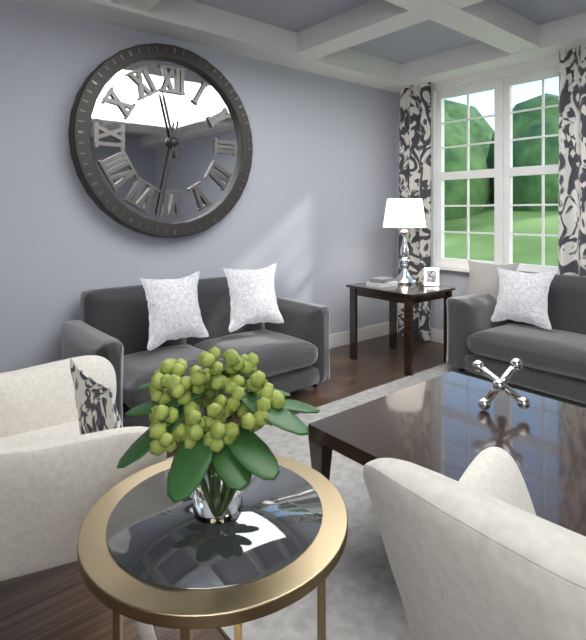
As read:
{"hour": 11, "minute": 32}
